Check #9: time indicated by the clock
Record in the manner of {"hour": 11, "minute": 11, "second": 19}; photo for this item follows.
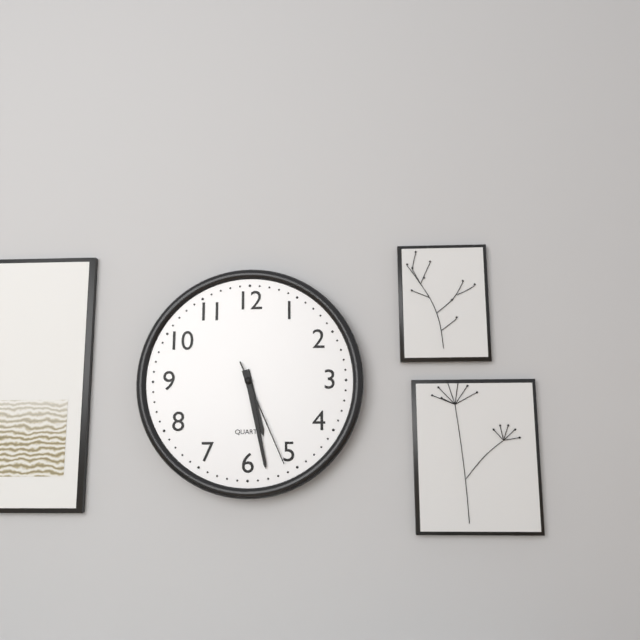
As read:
{"hour": 5, "minute": 28, "second": 26}
